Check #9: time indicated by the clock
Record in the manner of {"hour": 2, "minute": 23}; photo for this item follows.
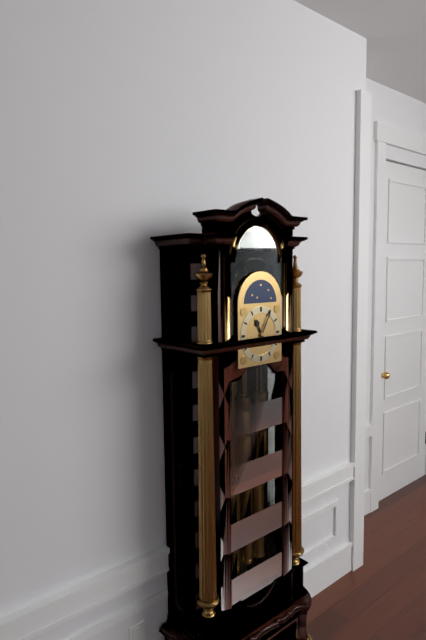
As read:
{"hour": 11, "minute": 5}
